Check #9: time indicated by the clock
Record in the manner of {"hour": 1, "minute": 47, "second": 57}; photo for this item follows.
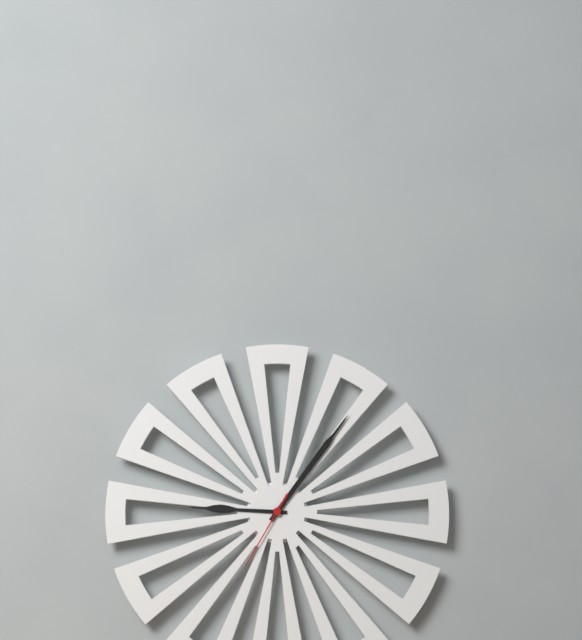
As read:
{"hour": 9, "minute": 6, "second": 35}
